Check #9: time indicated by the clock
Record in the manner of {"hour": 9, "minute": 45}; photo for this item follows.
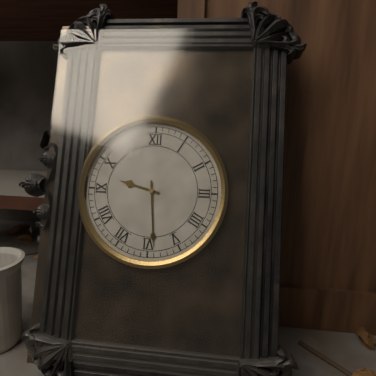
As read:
{"hour": 9, "minute": 29}
